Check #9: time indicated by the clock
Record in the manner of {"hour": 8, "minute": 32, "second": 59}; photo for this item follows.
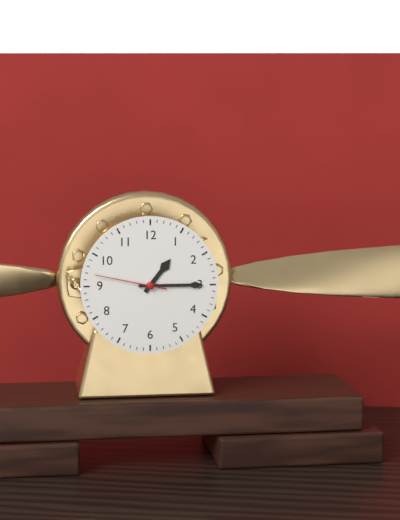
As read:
{"hour": 1, "minute": 15, "second": 47}
